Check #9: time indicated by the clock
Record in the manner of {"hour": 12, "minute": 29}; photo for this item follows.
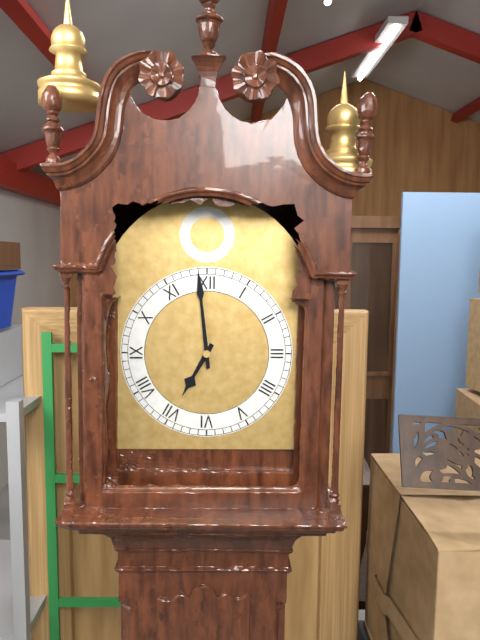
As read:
{"hour": 6, "minute": 59}
